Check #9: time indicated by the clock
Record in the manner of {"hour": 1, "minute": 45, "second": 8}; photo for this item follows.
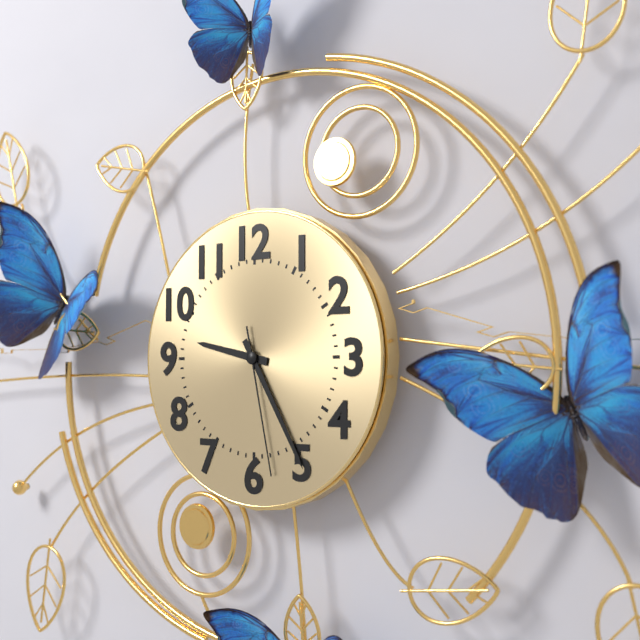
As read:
{"hour": 9, "minute": 25, "second": 28}
